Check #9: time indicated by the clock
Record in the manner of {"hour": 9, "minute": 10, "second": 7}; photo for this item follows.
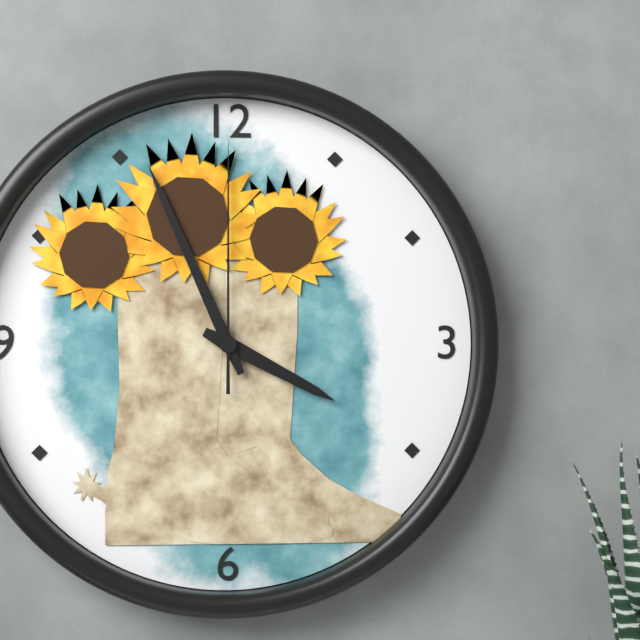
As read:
{"hour": 3, "minute": 56, "second": 0}
